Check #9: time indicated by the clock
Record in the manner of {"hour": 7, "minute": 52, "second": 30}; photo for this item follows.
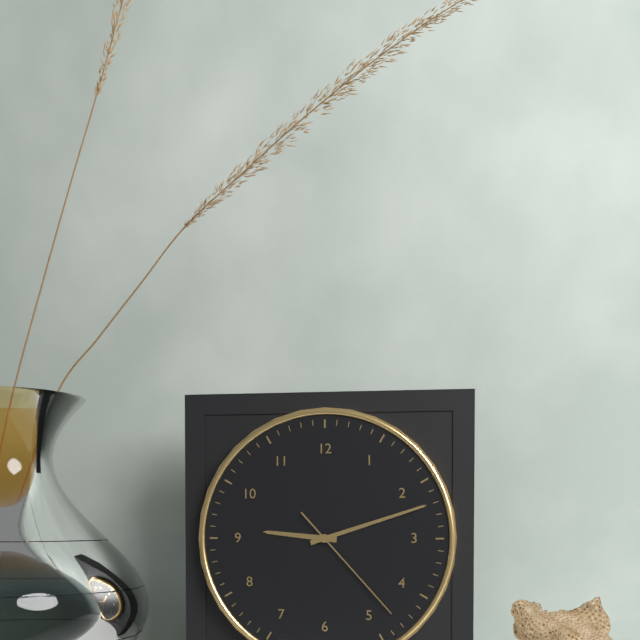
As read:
{"hour": 9, "minute": 12, "second": 23}
